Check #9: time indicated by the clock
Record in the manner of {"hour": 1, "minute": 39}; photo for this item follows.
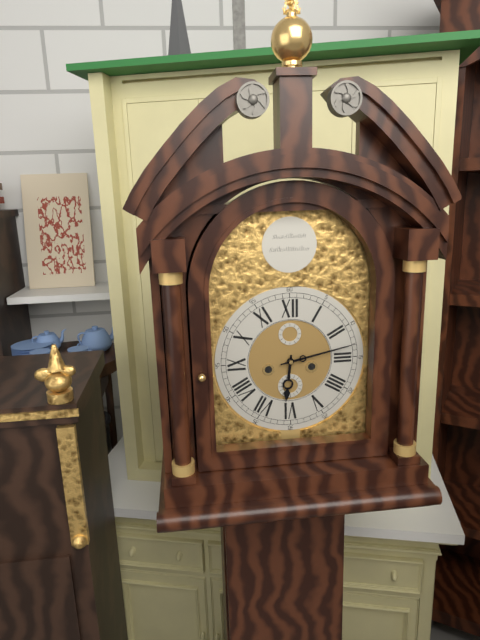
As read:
{"hour": 6, "minute": 13}
